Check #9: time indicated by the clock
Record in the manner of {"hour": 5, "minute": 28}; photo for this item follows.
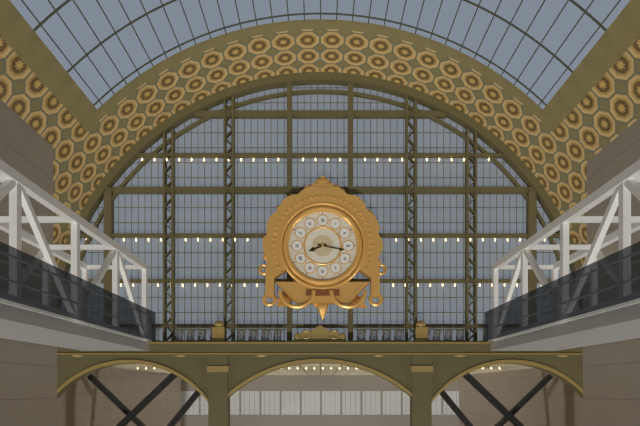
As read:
{"hour": 8, "minute": 17}
